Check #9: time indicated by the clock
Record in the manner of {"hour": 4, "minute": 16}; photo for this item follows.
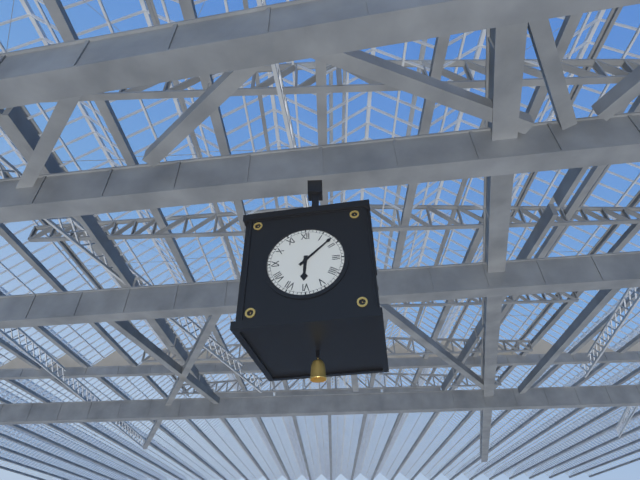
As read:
{"hour": 6, "minute": 8}
